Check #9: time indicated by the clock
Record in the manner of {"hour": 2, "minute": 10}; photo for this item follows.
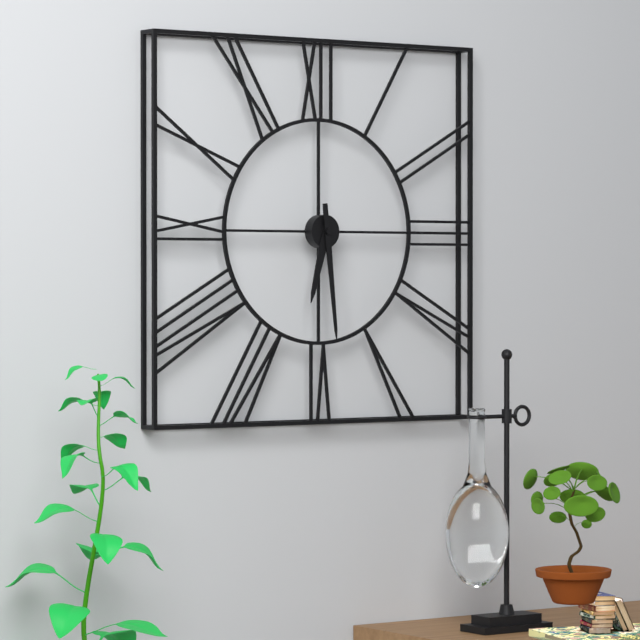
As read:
{"hour": 6, "minute": 29}
